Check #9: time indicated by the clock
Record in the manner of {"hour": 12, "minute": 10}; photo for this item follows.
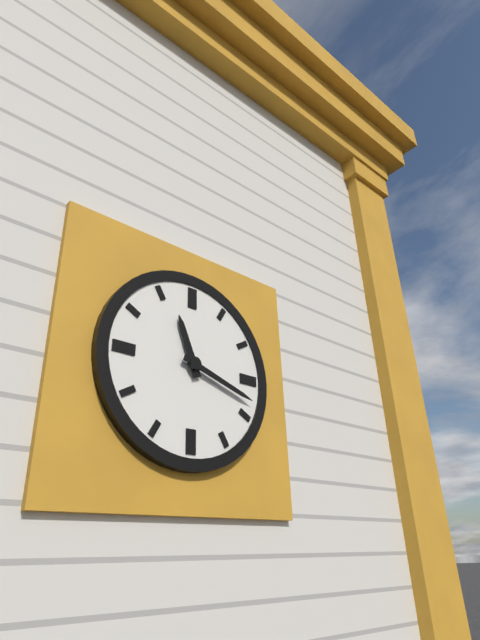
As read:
{"hour": 11, "minute": 18}
